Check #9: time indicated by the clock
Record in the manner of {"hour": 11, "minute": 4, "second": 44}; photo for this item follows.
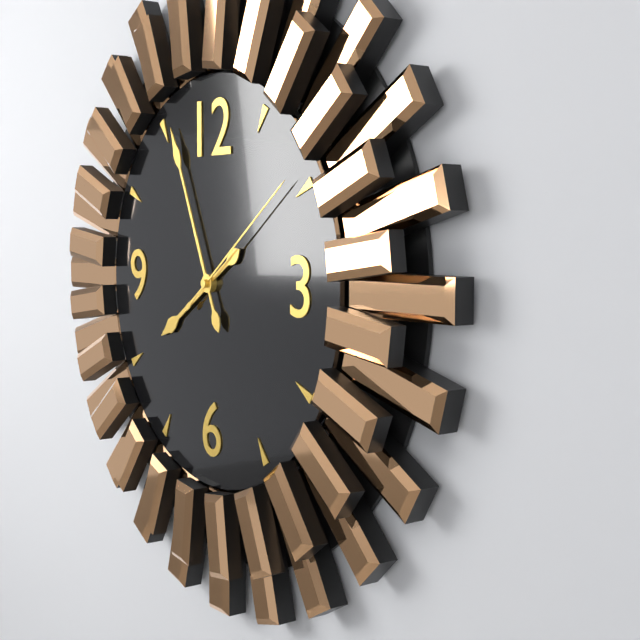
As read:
{"hour": 7, "minute": 56, "second": 9}
